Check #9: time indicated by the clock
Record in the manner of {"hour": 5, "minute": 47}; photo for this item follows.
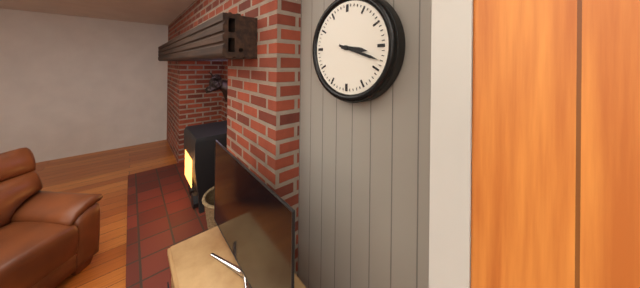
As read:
{"hour": 3, "minute": 18}
